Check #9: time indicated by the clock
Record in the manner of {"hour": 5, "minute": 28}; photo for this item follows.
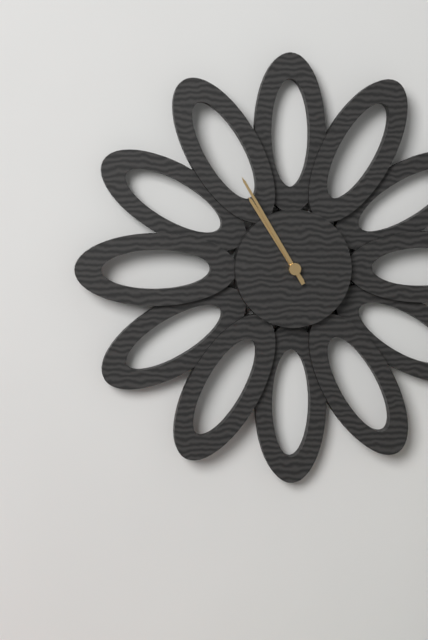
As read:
{"hour": 10, "minute": 55}
